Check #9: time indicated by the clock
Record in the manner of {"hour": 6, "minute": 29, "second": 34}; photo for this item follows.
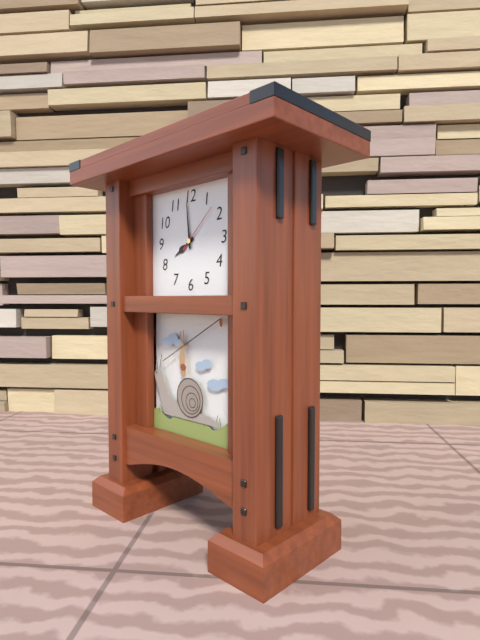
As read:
{"hour": 7, "minute": 59, "second": 8}
